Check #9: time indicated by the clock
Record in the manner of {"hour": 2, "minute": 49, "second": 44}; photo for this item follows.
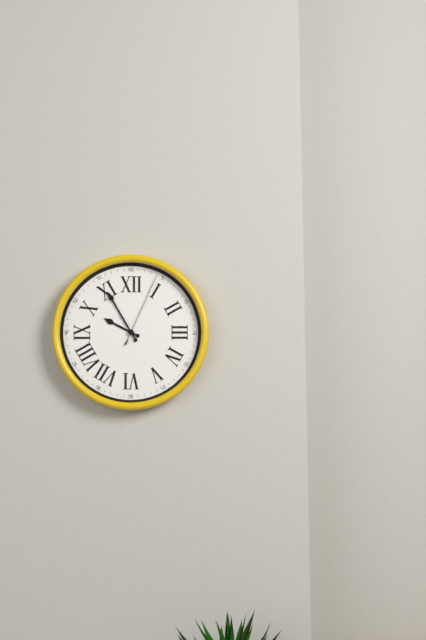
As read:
{"hour": 9, "minute": 55, "second": 4}
